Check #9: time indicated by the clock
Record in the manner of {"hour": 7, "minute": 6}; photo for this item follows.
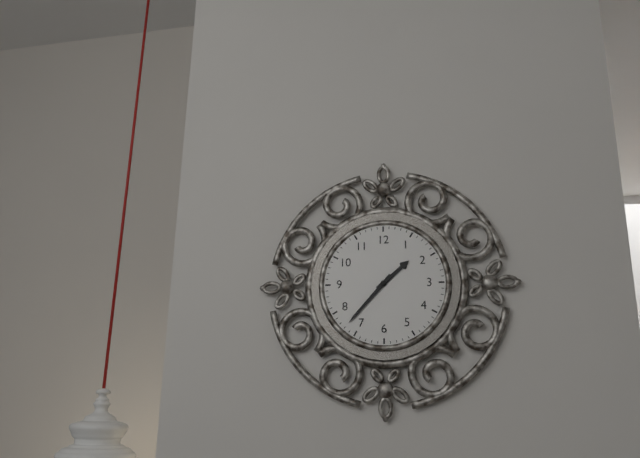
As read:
{"hour": 1, "minute": 37}
